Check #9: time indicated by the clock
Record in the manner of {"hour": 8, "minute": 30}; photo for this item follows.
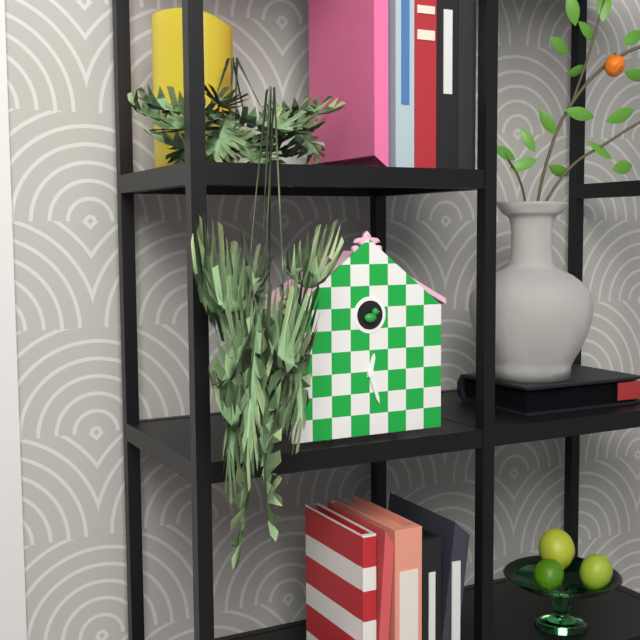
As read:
{"hour": 12, "minute": 27}
